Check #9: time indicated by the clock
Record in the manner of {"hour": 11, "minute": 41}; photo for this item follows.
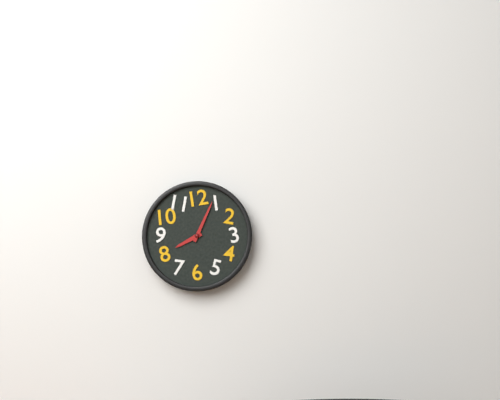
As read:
{"hour": 8, "minute": 4}
